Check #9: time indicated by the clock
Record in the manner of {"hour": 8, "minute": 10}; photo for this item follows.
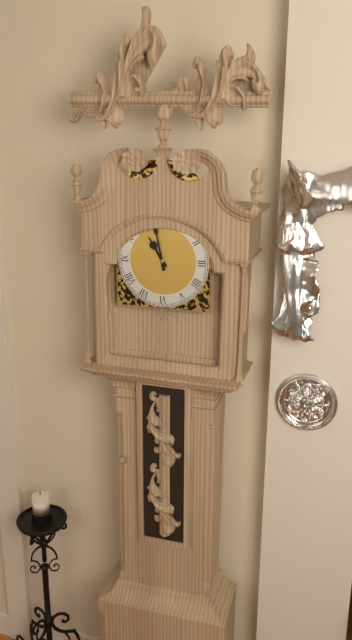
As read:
{"hour": 10, "minute": 58}
